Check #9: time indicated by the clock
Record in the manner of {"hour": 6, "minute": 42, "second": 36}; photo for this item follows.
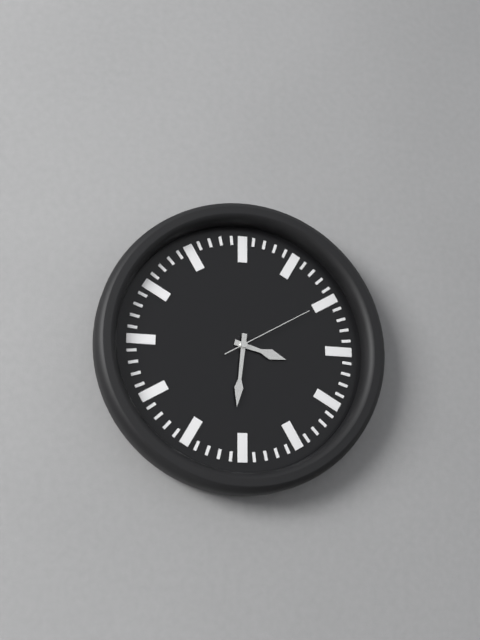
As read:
{"hour": 3, "minute": 31, "second": 10}
